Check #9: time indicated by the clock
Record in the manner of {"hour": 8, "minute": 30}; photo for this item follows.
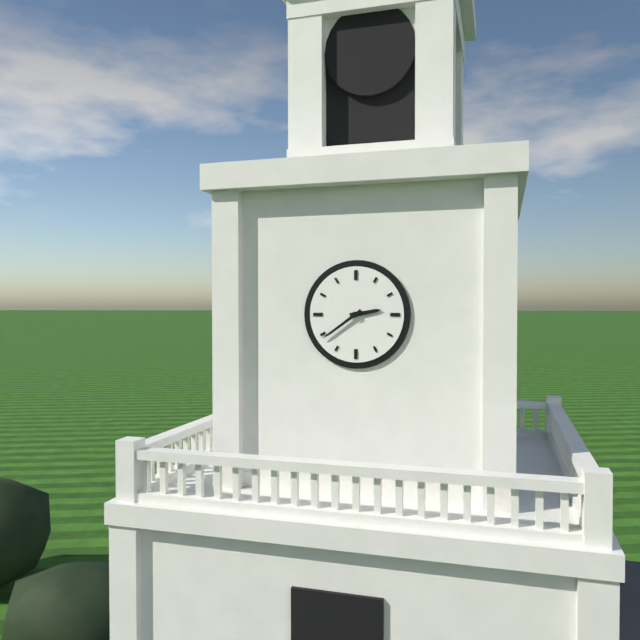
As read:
{"hour": 2, "minute": 39}
